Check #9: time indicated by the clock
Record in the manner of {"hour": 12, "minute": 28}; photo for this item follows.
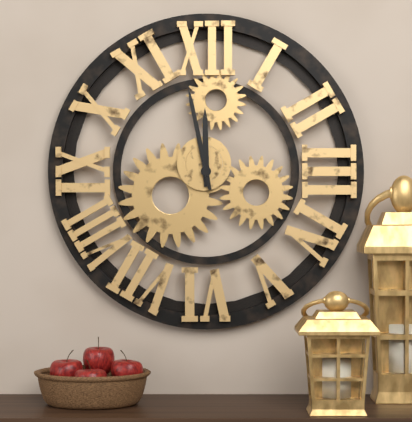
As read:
{"hour": 11, "minute": 58}
